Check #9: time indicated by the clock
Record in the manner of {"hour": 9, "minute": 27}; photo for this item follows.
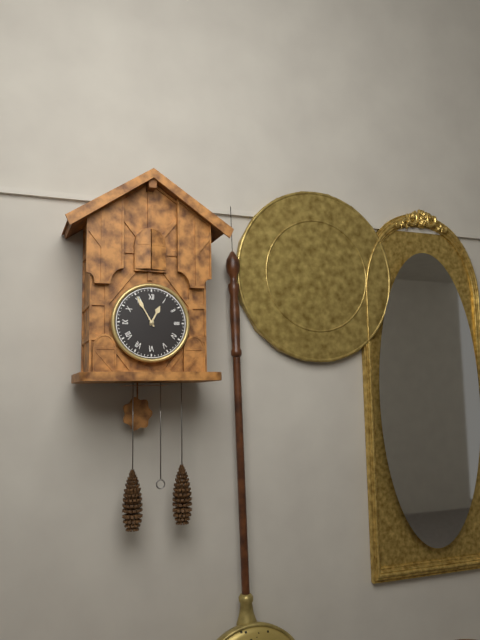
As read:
{"hour": 12, "minute": 55}
